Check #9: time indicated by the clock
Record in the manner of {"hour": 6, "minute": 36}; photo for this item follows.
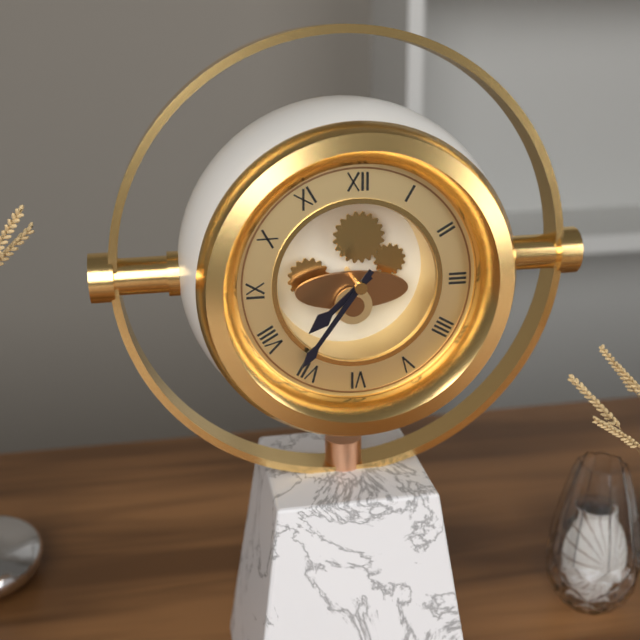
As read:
{"hour": 7, "minute": 36}
